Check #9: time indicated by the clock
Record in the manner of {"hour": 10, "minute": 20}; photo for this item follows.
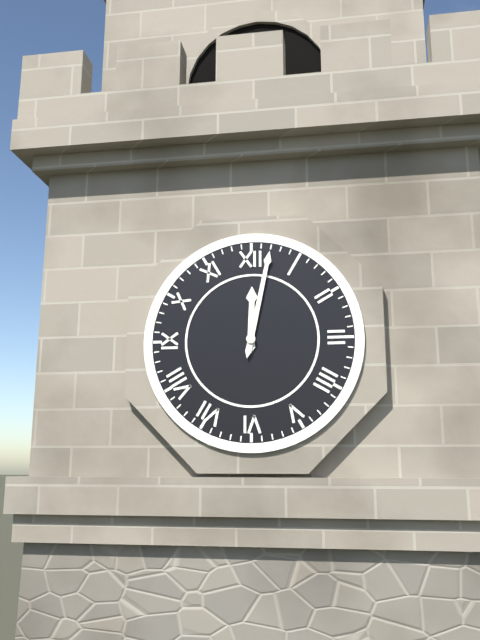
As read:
{"hour": 12, "minute": 2}
